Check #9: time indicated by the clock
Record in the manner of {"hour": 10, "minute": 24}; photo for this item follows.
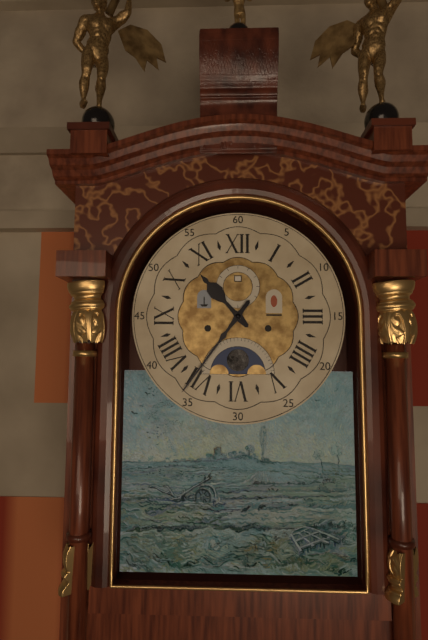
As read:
{"hour": 10, "minute": 36}
